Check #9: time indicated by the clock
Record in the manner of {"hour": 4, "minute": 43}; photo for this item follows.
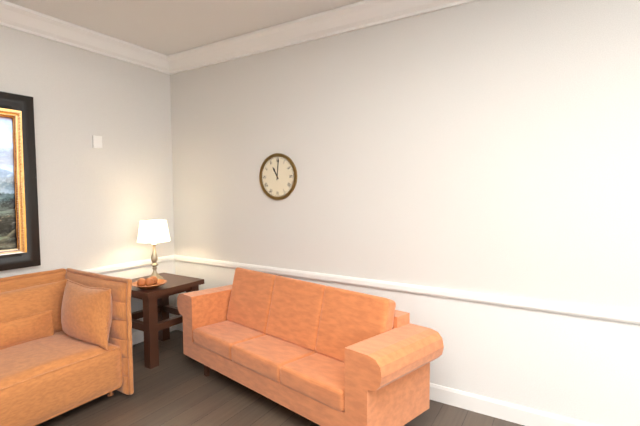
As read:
{"hour": 11, "minute": 1}
